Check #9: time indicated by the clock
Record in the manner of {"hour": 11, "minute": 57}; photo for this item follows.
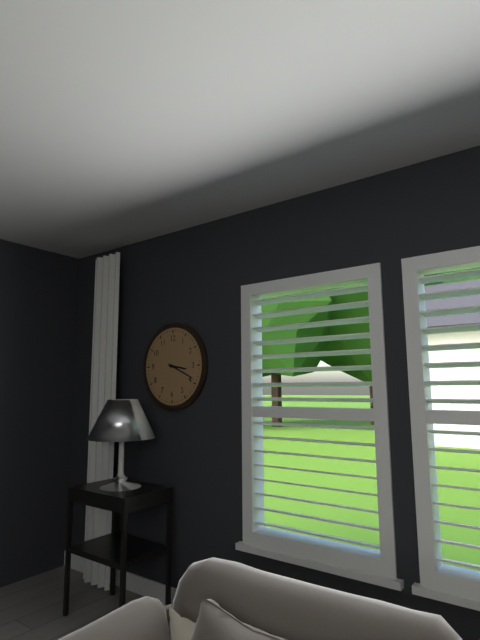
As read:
{"hour": 3, "minute": 19}
